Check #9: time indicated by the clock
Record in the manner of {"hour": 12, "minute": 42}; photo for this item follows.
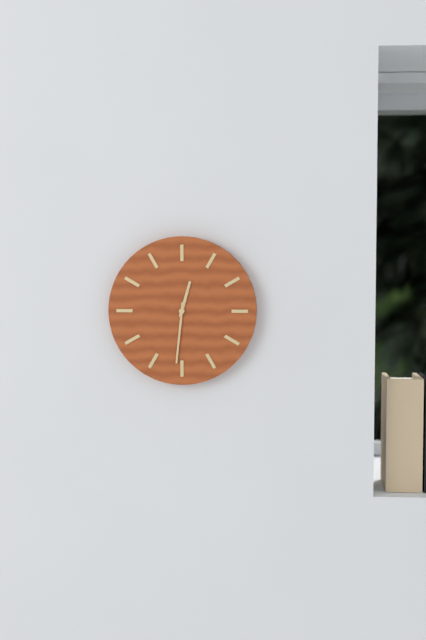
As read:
{"hour": 12, "minute": 31}
